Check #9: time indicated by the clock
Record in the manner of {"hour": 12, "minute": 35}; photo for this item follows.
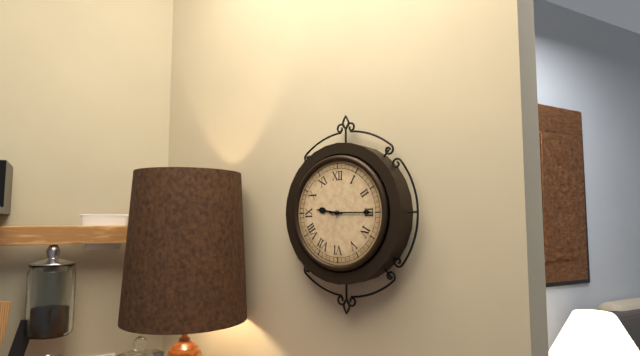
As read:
{"hour": 9, "minute": 15}
